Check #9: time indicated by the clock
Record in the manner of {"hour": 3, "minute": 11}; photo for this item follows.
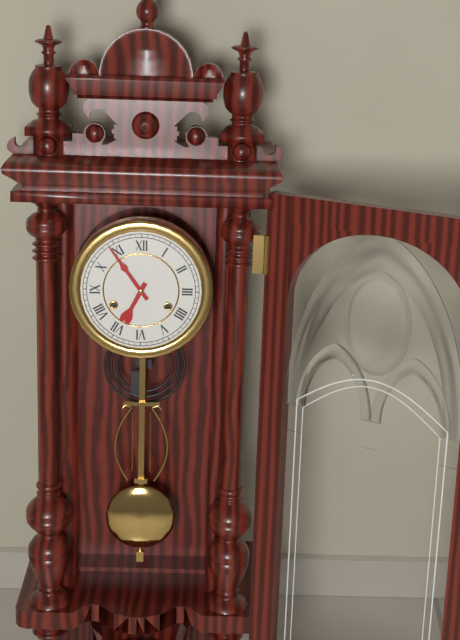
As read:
{"hour": 6, "minute": 54}
